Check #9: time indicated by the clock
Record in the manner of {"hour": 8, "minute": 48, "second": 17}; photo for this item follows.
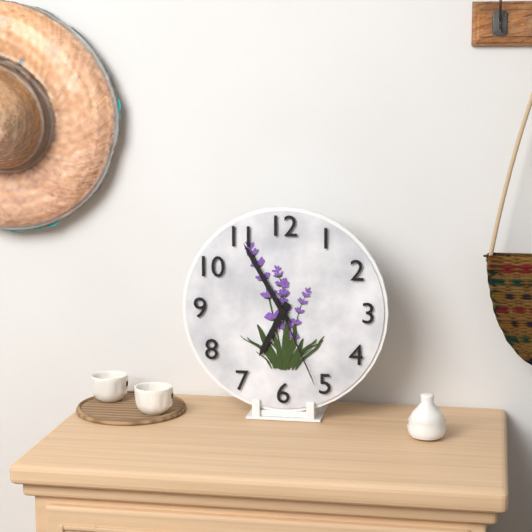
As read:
{"hour": 6, "minute": 55, "second": 26}
